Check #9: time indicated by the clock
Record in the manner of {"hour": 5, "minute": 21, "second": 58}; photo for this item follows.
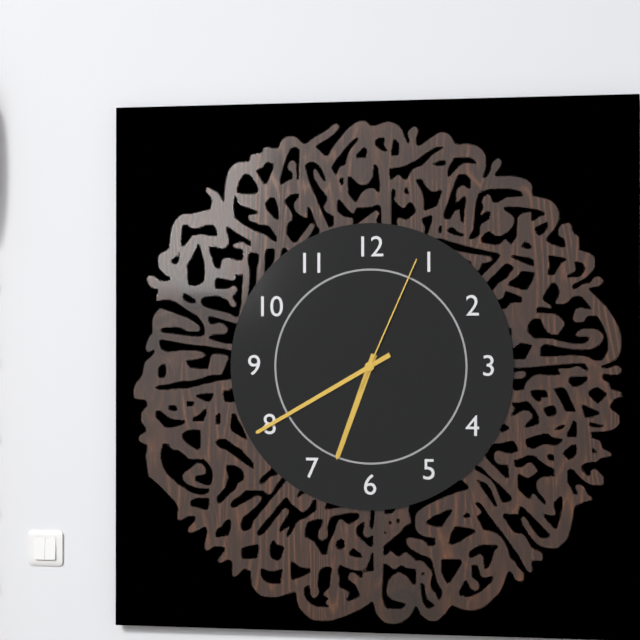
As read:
{"hour": 6, "minute": 40, "second": 4}
